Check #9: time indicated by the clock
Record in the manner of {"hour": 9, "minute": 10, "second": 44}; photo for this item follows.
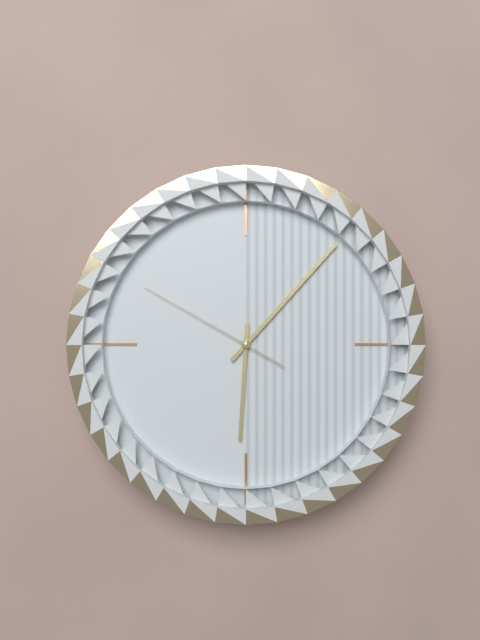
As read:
{"hour": 6, "minute": 7, "second": 50}
